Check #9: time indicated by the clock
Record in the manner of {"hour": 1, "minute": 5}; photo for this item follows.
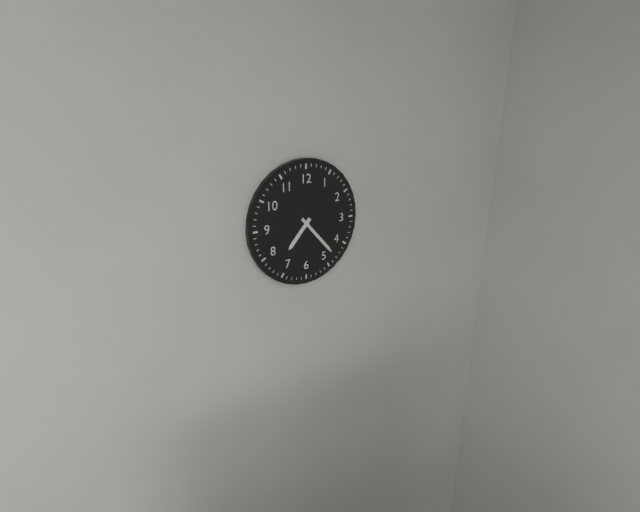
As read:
{"hour": 7, "minute": 23}
